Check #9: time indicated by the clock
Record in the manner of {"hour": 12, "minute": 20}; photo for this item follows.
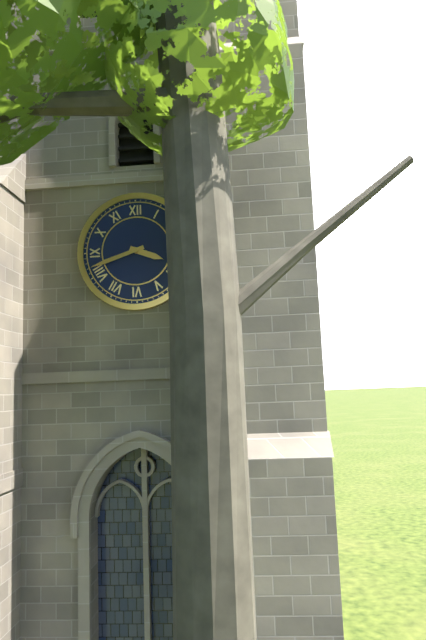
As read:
{"hour": 3, "minute": 42}
